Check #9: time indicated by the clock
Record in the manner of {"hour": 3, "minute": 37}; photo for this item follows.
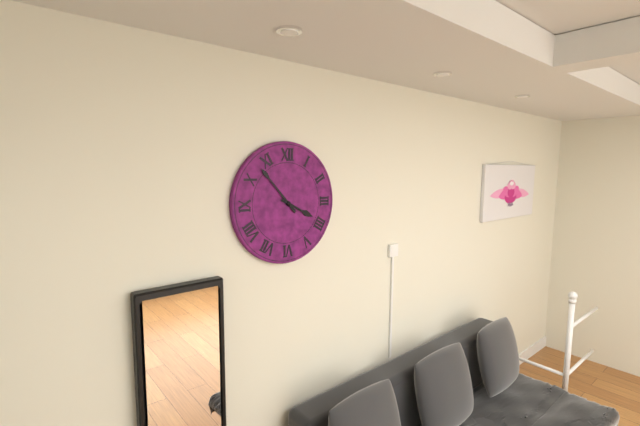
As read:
{"hour": 3, "minute": 53}
